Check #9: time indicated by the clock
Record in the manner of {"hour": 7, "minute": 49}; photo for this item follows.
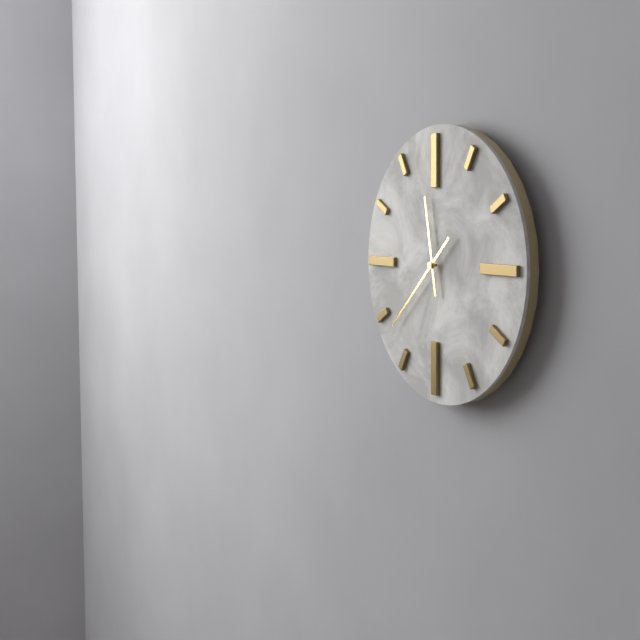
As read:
{"hour": 11, "minute": 38}
